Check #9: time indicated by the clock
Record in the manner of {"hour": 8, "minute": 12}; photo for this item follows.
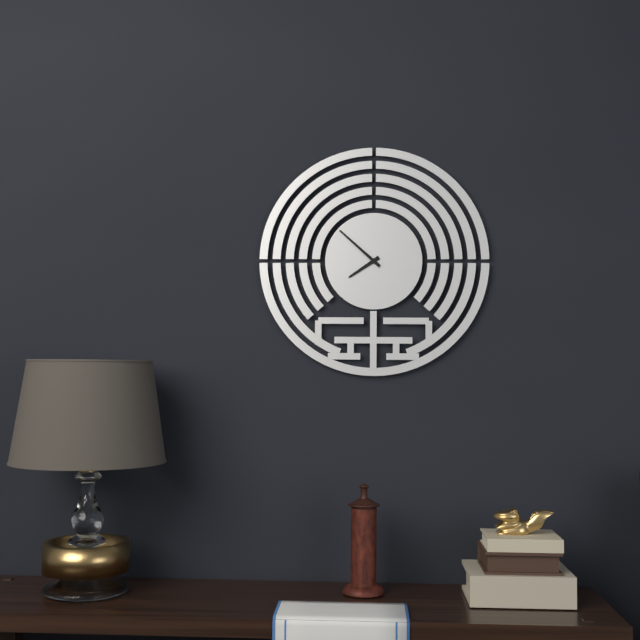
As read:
{"hour": 7, "minute": 52}
